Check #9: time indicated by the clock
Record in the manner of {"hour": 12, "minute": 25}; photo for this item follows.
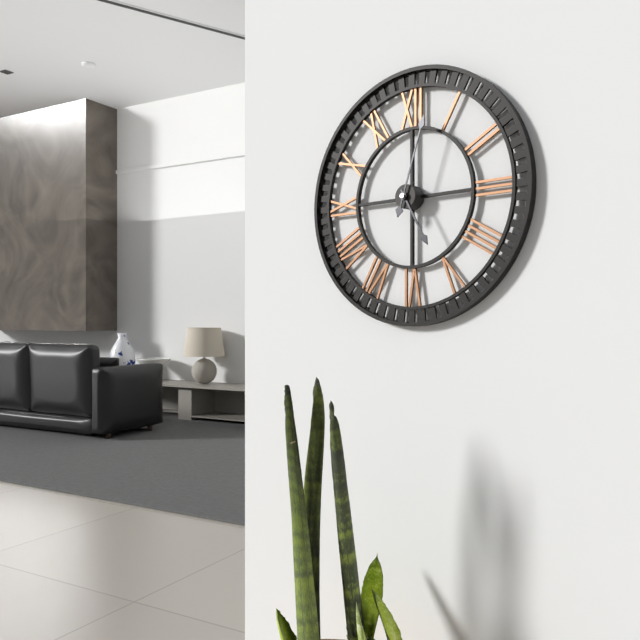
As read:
{"hour": 5, "minute": 3}
